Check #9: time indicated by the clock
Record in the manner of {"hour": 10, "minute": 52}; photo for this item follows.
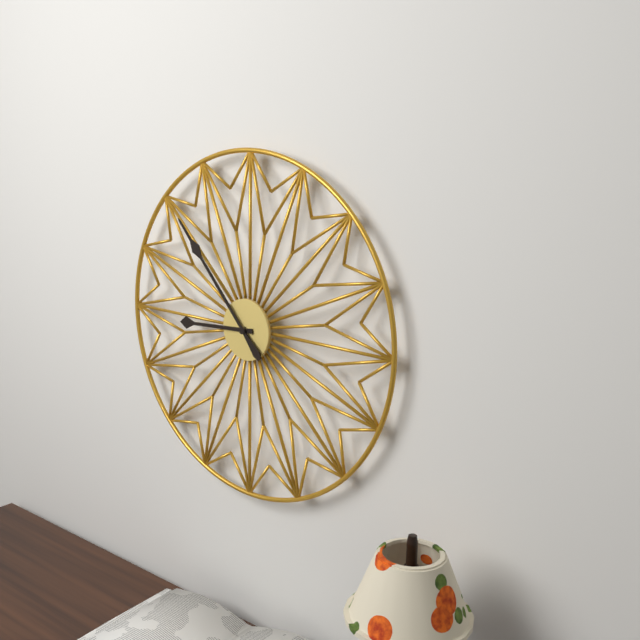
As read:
{"hour": 8, "minute": 53}
